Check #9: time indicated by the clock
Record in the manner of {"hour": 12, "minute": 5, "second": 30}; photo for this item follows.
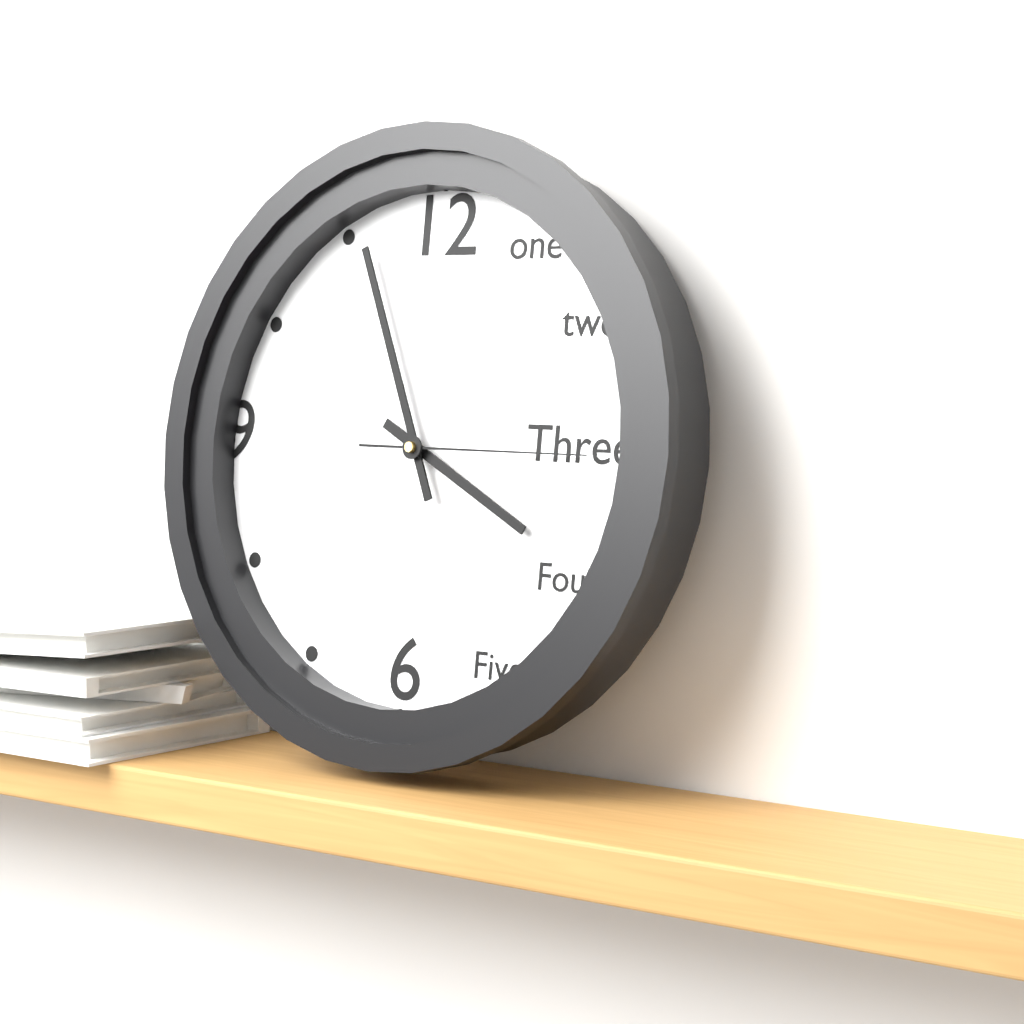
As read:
{"hour": 3, "minute": 56, "second": 15}
